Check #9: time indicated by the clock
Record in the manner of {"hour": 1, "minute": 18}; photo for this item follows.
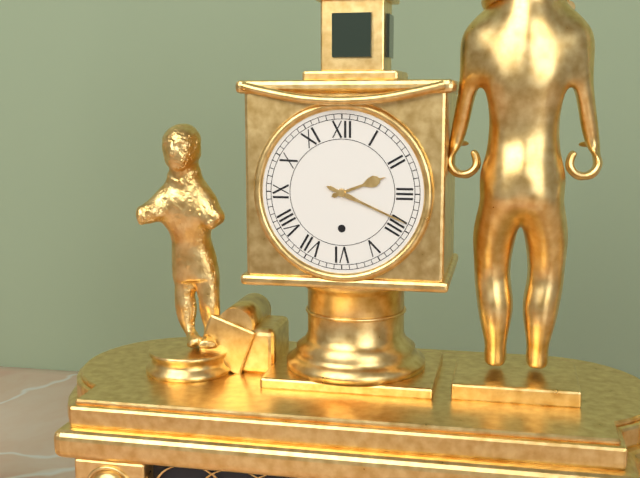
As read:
{"hour": 2, "minute": 19}
